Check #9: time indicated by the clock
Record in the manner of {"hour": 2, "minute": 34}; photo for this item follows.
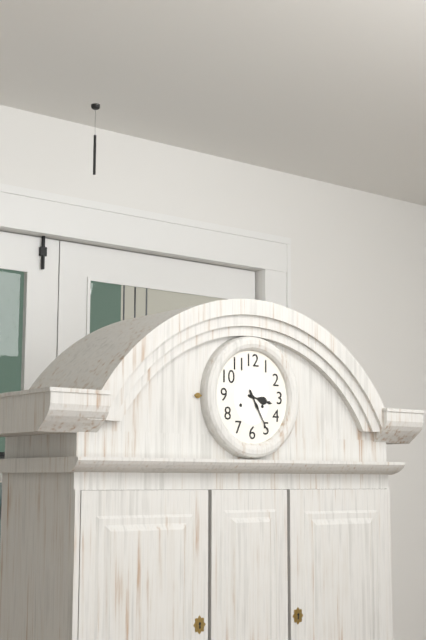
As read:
{"hour": 3, "minute": 25}
